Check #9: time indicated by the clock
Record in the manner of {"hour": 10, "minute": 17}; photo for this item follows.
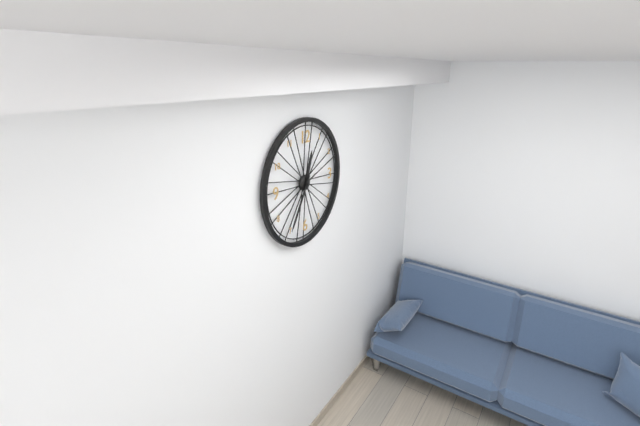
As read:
{"hour": 12, "minute": 35}
